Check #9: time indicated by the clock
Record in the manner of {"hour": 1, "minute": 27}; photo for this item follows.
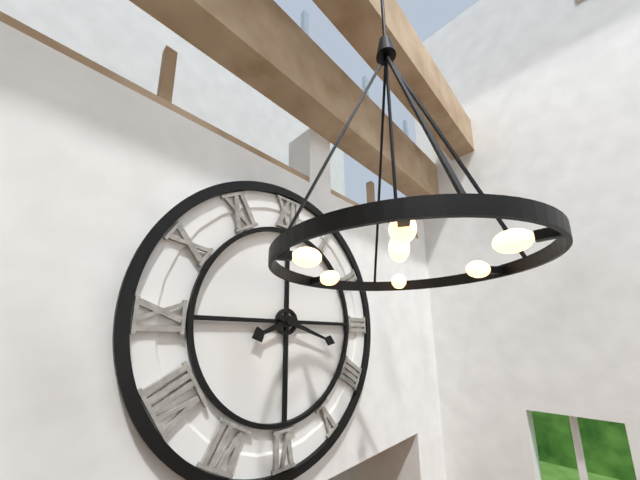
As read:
{"hour": 8, "minute": 18}
